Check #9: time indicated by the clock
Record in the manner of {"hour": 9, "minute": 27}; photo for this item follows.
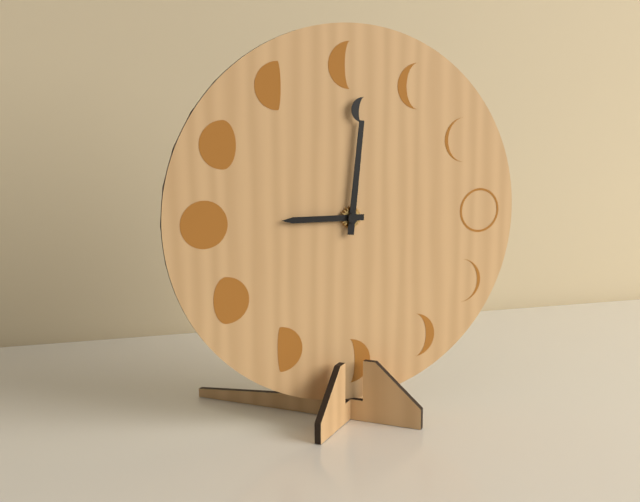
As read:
{"hour": 9, "minute": 1}
